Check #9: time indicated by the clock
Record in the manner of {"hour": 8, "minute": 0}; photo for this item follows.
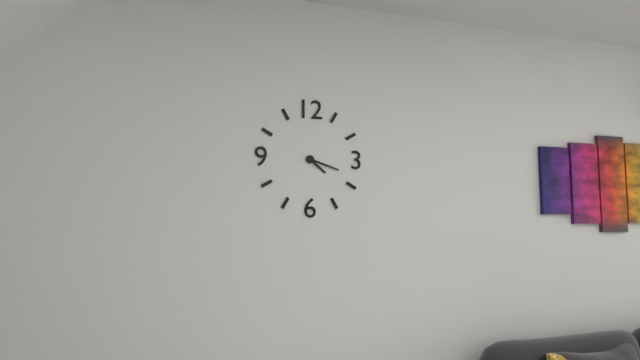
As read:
{"hour": 4, "minute": 18}
